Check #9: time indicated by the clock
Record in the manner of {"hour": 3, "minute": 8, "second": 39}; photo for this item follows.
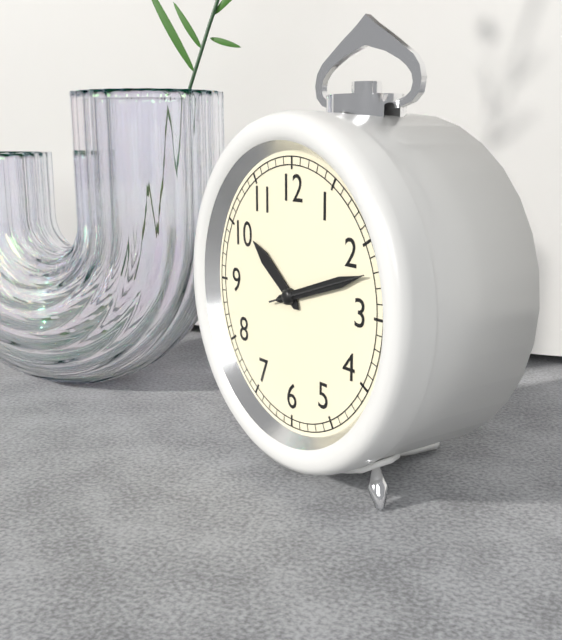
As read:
{"hour": 10, "minute": 12, "second": 12}
